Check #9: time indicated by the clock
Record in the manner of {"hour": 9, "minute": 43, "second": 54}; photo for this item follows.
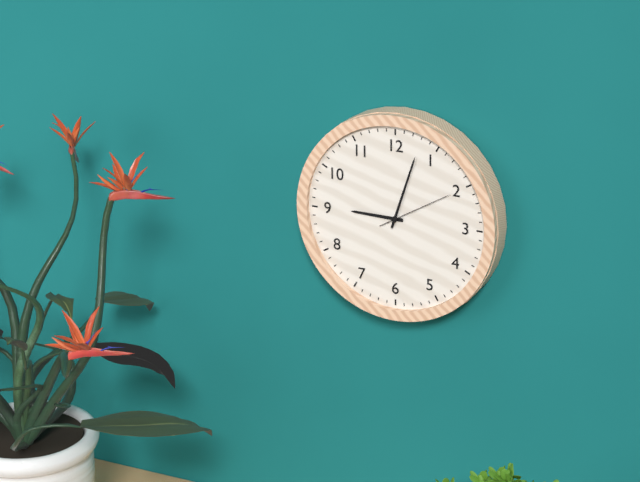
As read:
{"hour": 9, "minute": 3, "second": 10}
